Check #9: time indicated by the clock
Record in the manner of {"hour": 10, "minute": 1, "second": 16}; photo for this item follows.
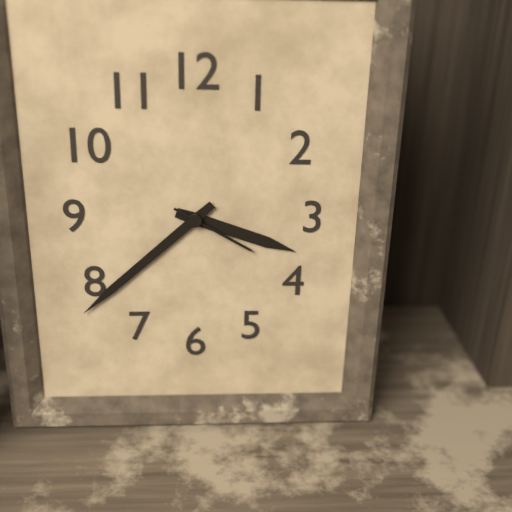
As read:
{"hour": 3, "minute": 38, "second": 20}
